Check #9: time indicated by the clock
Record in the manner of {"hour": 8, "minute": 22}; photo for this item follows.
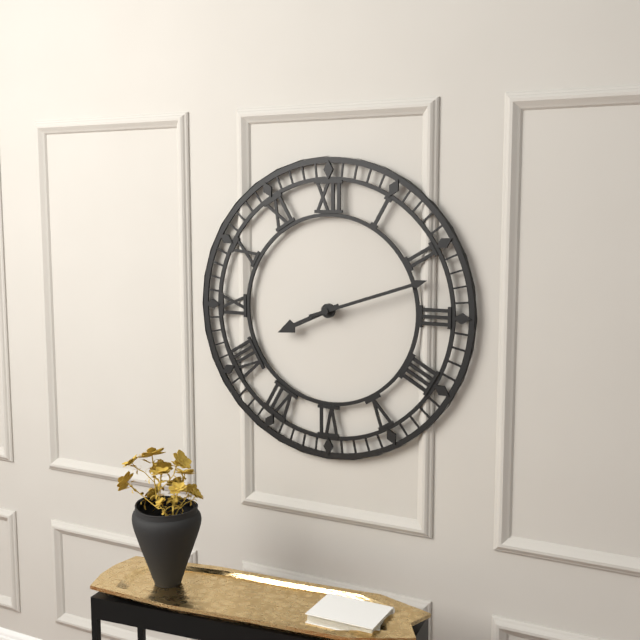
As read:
{"hour": 8, "minute": 12}
